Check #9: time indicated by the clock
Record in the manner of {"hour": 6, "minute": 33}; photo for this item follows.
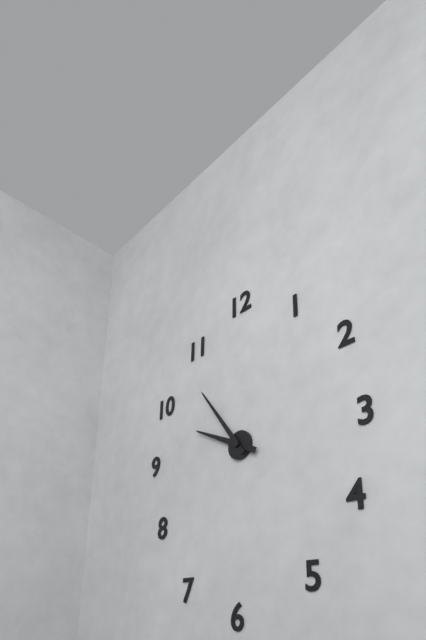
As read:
{"hour": 9, "minute": 54}
